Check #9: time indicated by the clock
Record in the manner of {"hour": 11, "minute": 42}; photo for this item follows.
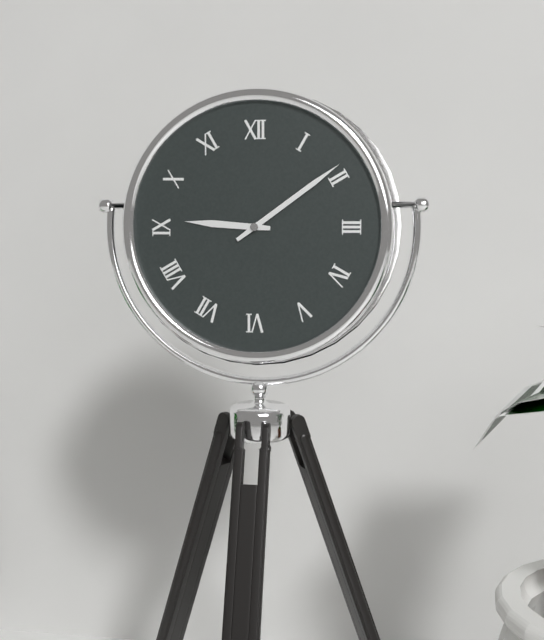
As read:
{"hour": 9, "minute": 9}
